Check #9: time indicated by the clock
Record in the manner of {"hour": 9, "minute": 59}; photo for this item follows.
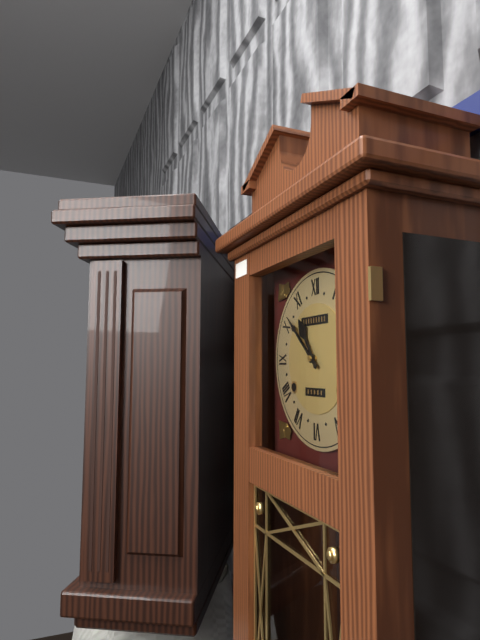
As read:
{"hour": 10, "minute": 52}
